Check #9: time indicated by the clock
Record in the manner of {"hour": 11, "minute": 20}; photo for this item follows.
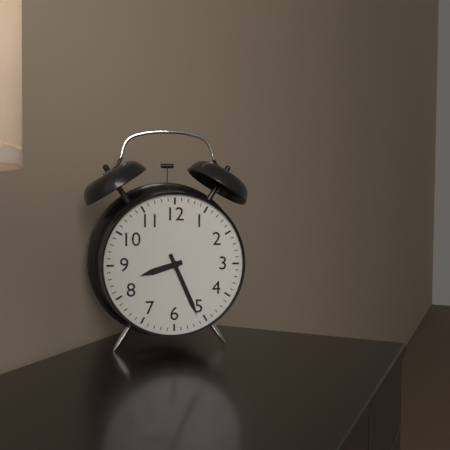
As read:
{"hour": 8, "minute": 26}
